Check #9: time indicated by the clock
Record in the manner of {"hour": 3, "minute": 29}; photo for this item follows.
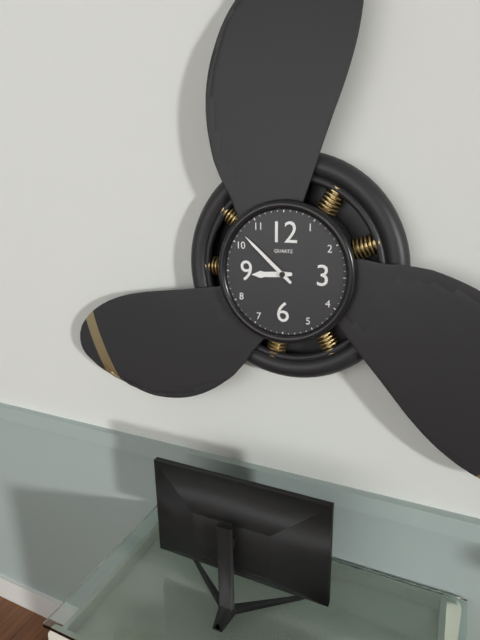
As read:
{"hour": 8, "minute": 52}
